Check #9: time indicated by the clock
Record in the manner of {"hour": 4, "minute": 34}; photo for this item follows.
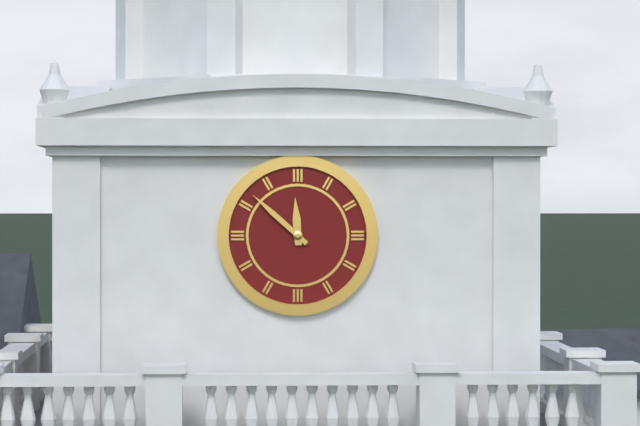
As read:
{"hour": 11, "minute": 52}
